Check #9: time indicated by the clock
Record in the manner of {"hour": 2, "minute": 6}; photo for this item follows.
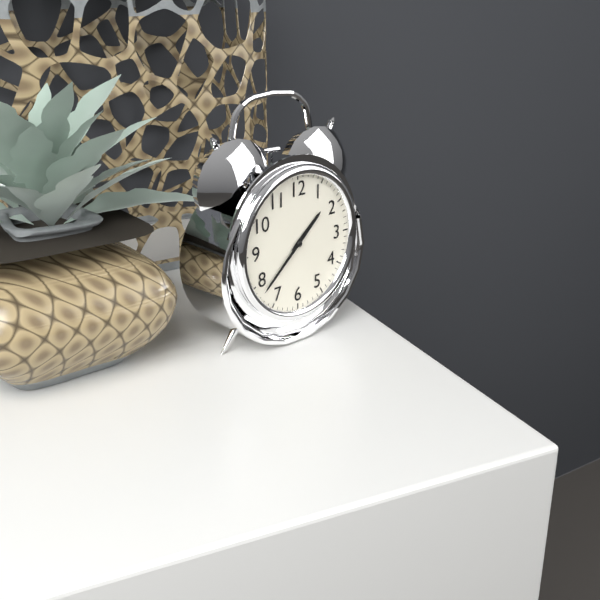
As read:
{"hour": 1, "minute": 38}
